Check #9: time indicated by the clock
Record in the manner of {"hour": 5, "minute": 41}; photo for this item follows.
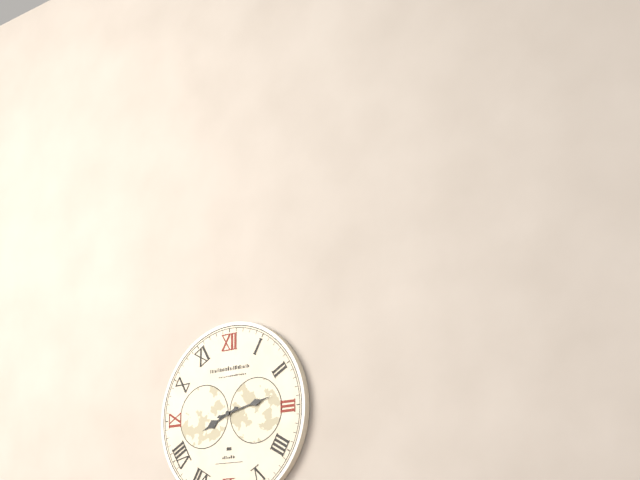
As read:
{"hour": 8, "minute": 13}
